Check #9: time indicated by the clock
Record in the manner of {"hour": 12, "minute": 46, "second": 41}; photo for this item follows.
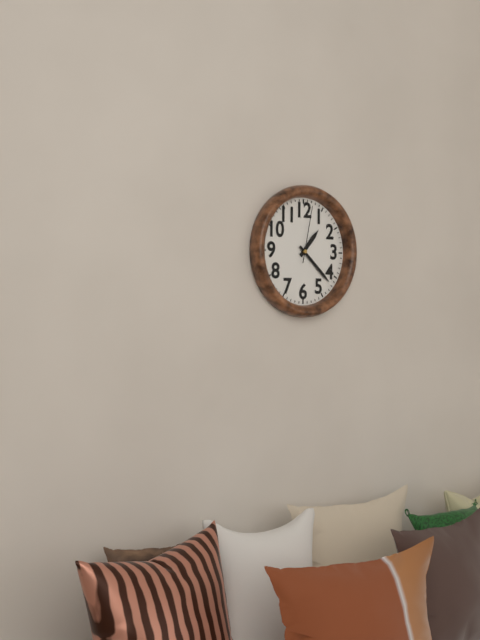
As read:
{"hour": 1, "minute": 22, "second": 2}
